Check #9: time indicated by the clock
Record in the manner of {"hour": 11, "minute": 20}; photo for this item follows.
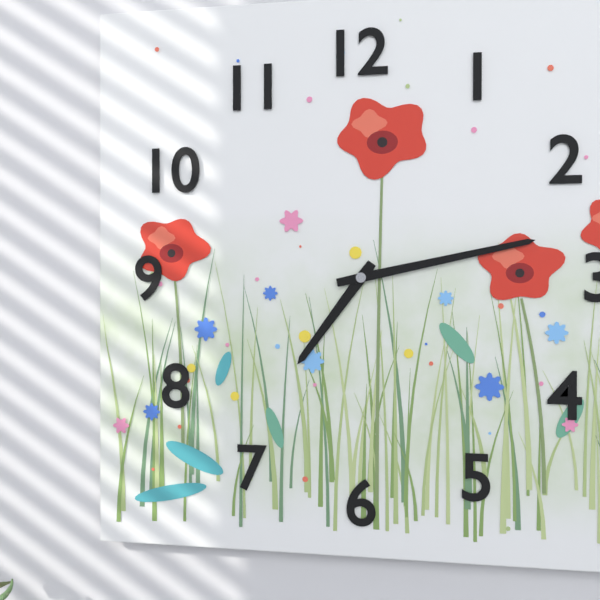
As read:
{"hour": 7, "minute": 13}
